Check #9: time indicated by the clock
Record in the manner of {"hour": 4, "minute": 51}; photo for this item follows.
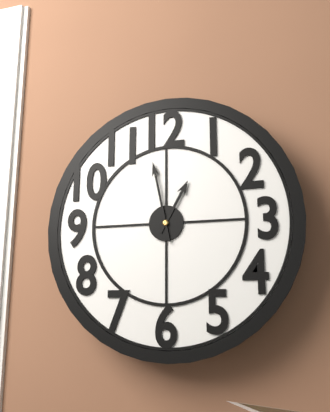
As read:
{"hour": 12, "minute": 58}
